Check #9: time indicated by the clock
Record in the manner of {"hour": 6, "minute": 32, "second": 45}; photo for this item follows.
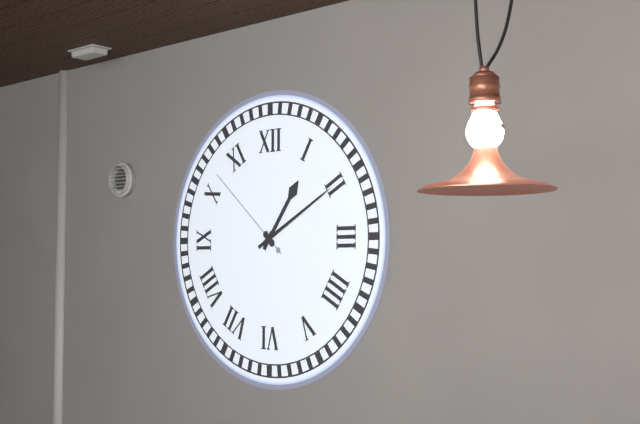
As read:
{"hour": 1, "minute": 10, "second": 52}
